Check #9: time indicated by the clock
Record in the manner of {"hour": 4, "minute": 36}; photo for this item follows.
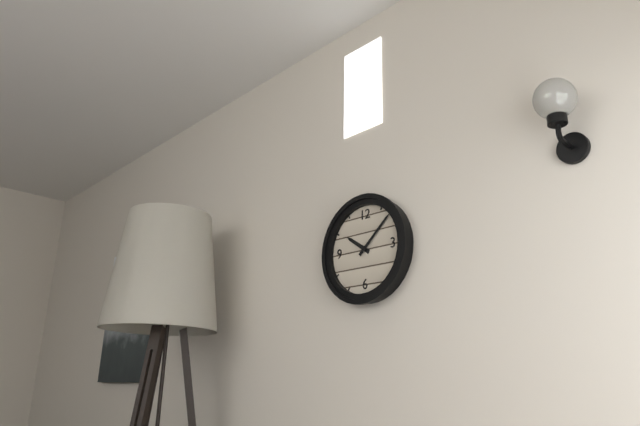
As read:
{"hour": 10, "minute": 8}
